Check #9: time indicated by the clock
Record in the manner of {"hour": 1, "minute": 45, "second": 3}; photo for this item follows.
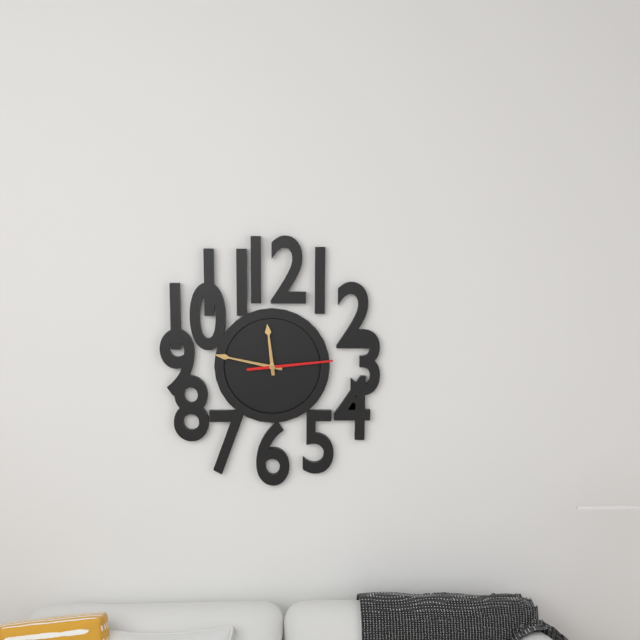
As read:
{"hour": 11, "minute": 47, "second": 14}
